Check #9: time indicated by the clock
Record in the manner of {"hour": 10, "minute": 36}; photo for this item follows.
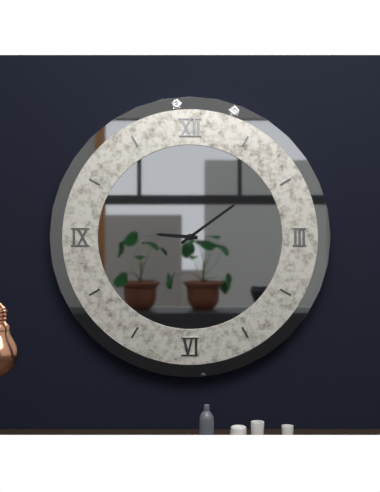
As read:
{"hour": 9, "minute": 9}
